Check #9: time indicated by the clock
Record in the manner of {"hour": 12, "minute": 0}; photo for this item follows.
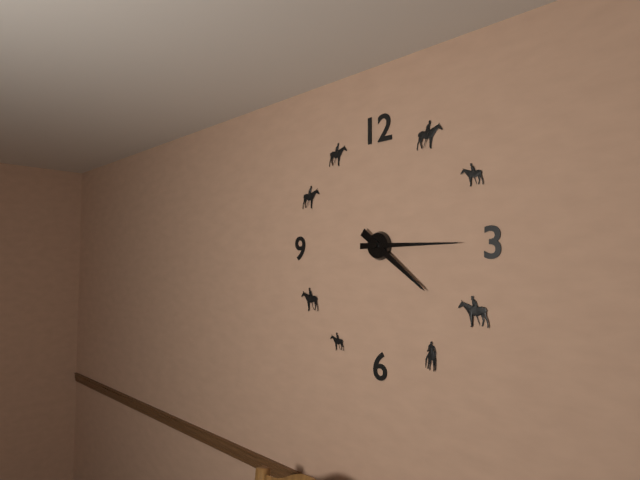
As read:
{"hour": 4, "minute": 15}
